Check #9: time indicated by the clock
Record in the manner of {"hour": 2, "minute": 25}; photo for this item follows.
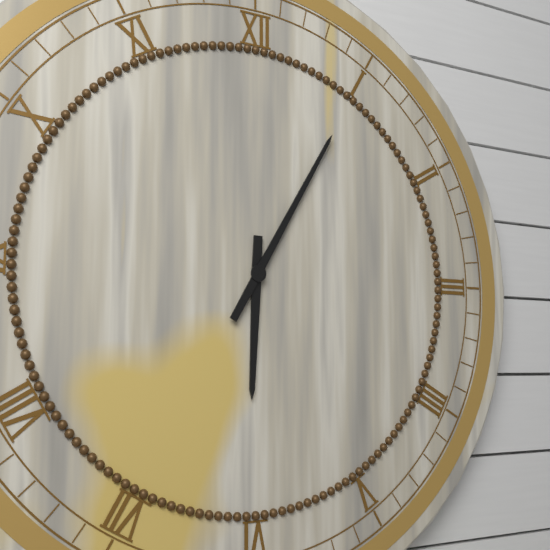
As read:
{"hour": 6, "minute": 5}
